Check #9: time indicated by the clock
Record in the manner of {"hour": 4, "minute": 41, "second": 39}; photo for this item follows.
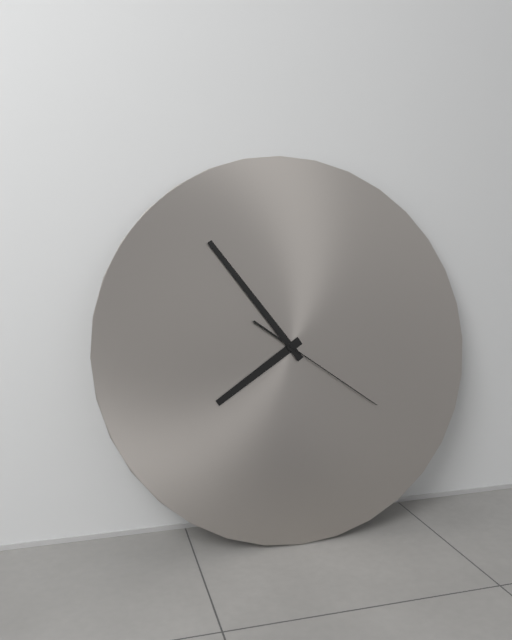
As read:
{"hour": 7, "minute": 54, "second": 21}
